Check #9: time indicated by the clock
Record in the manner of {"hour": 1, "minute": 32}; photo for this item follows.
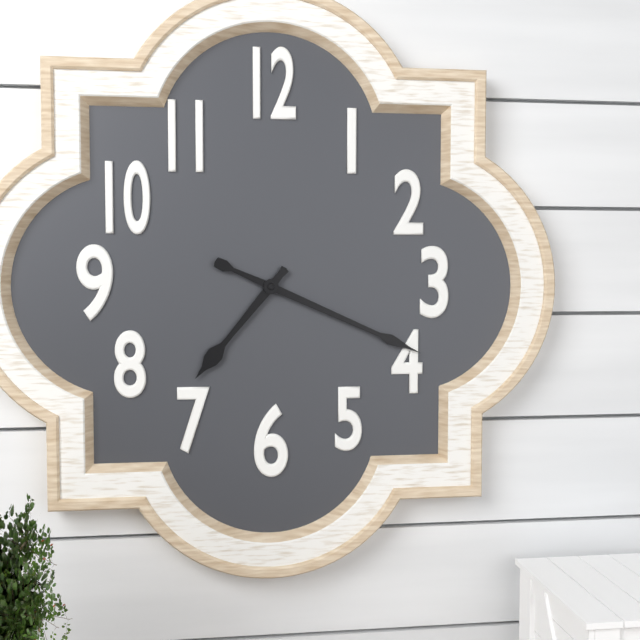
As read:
{"hour": 7, "minute": 19}
